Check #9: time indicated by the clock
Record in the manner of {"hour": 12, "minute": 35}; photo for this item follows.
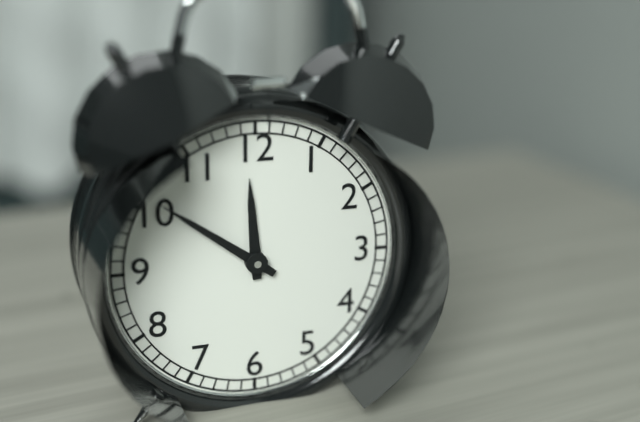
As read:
{"hour": 11, "minute": 51}
